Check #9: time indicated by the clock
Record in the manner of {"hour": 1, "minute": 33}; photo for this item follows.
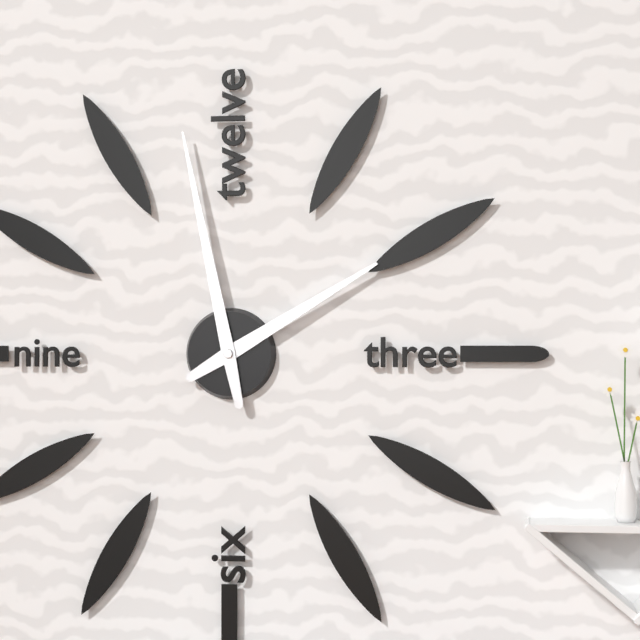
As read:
{"hour": 1, "minute": 58}
